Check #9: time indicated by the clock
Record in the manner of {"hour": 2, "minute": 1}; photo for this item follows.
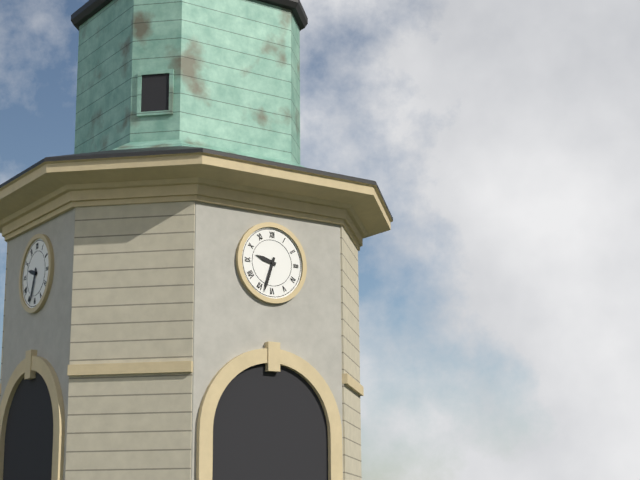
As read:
{"hour": 9, "minute": 33}
